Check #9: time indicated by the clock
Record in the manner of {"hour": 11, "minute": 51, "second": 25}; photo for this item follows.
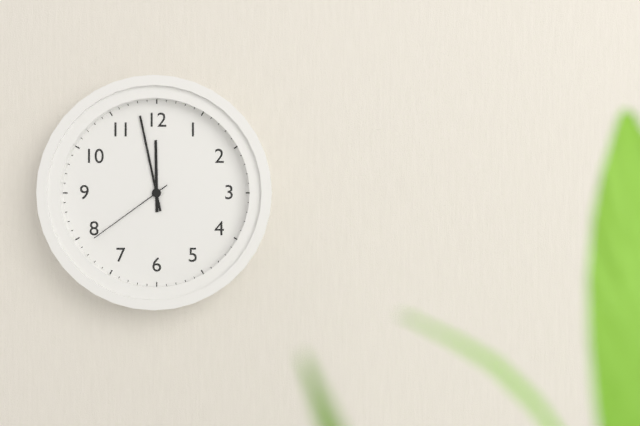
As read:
{"hour": 11, "minute": 58, "second": 39}
